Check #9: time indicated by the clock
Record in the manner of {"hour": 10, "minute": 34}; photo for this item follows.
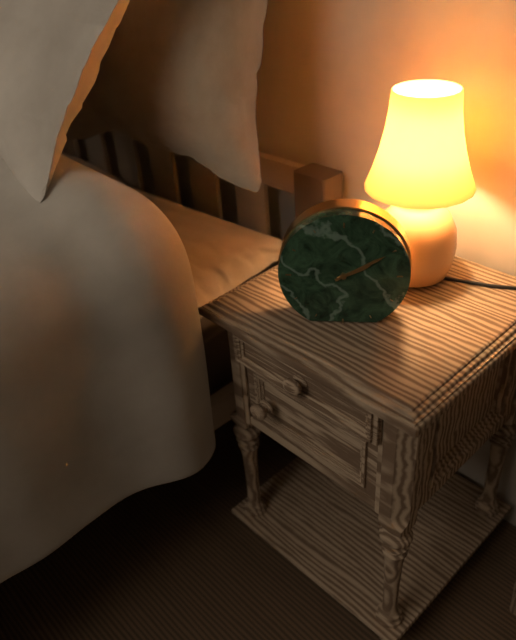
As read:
{"hour": 2, "minute": 10}
